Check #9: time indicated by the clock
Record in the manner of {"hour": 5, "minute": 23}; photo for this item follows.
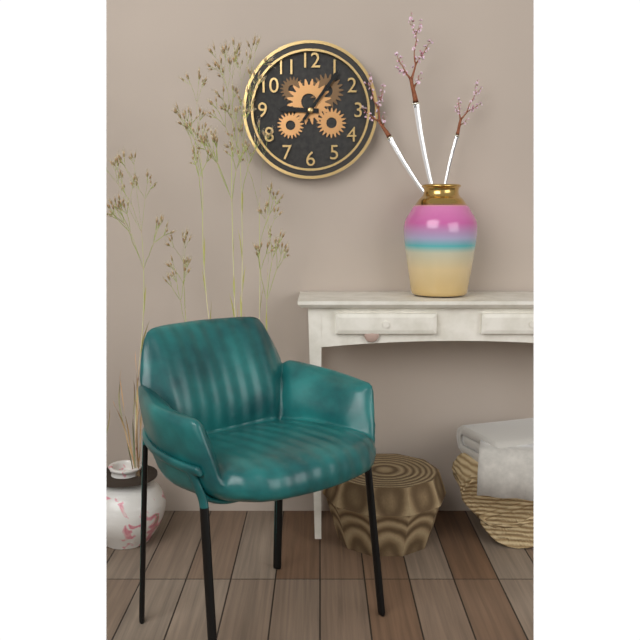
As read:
{"hour": 9, "minute": 6}
